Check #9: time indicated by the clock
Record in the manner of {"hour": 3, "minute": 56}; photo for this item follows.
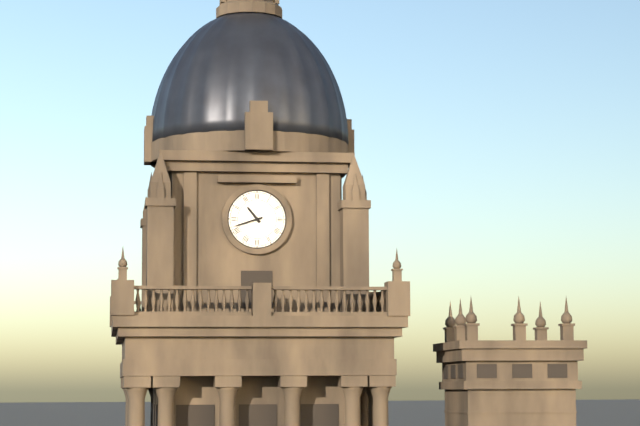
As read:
{"hour": 10, "minute": 42}
